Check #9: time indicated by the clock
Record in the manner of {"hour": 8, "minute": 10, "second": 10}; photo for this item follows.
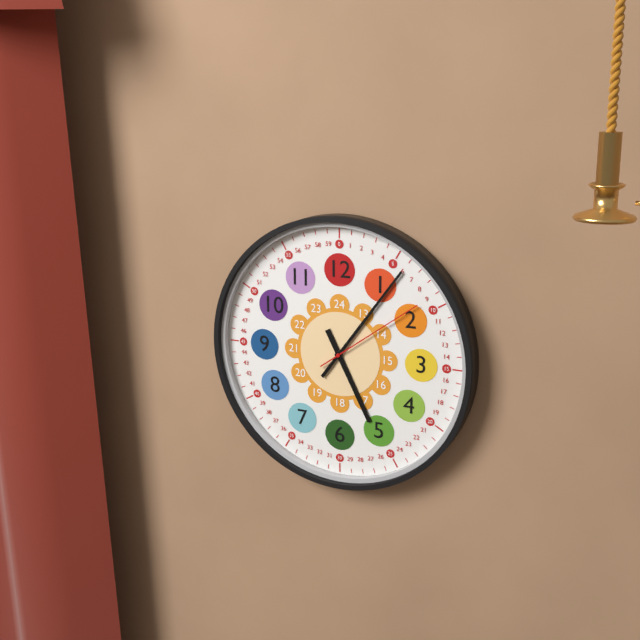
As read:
{"hour": 5, "minute": 6, "second": 9}
